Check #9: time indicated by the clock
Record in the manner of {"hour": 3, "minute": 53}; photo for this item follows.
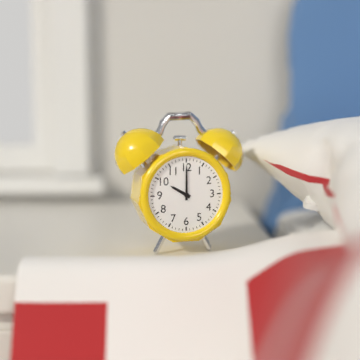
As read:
{"hour": 10, "minute": 0}
